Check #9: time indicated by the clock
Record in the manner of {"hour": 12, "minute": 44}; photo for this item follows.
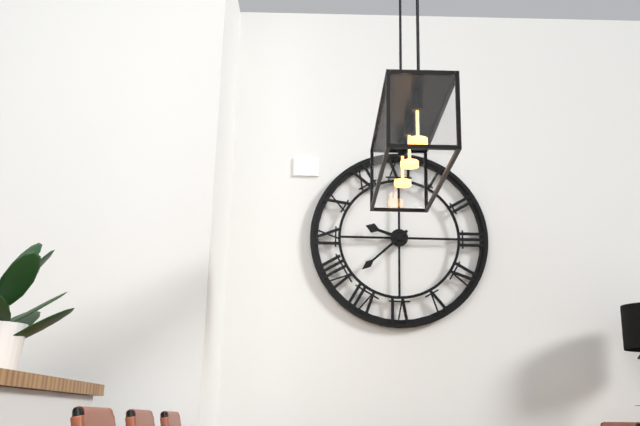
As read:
{"hour": 9, "minute": 38}
